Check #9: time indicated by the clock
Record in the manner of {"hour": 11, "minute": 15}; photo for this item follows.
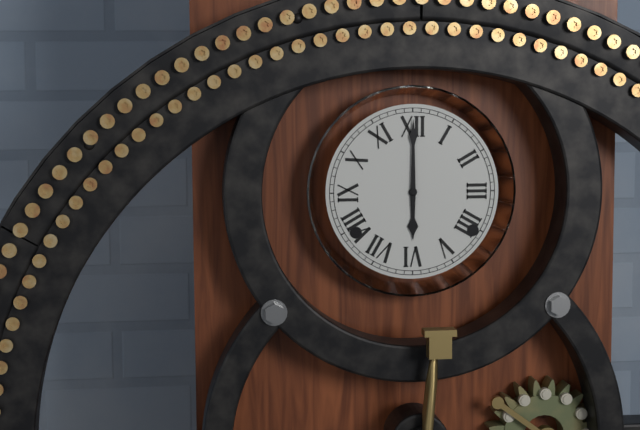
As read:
{"hour": 6, "minute": 0}
